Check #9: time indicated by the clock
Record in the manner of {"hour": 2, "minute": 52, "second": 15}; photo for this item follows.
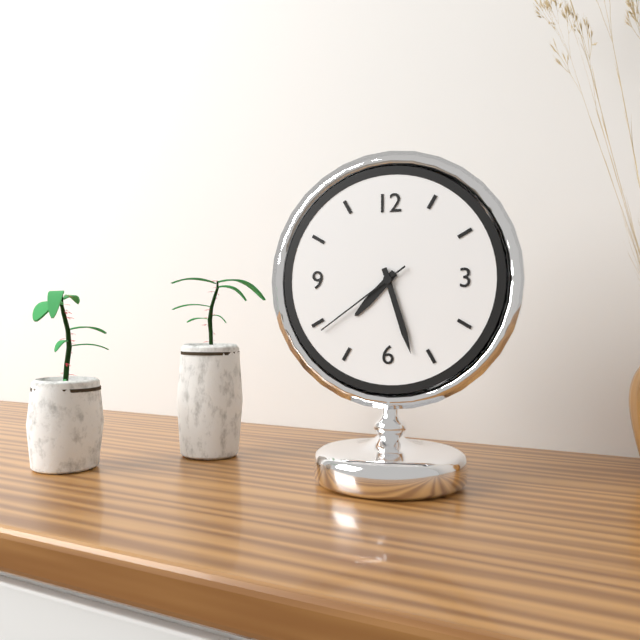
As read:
{"hour": 7, "minute": 27, "second": 39}
